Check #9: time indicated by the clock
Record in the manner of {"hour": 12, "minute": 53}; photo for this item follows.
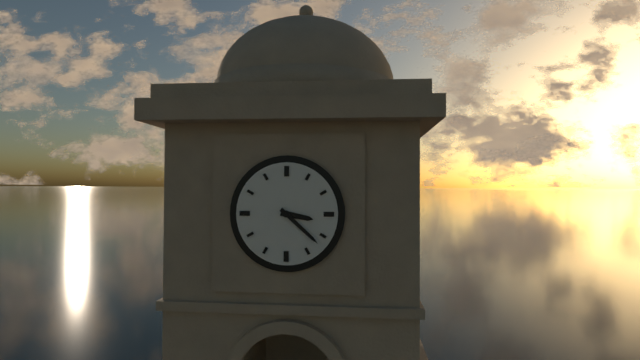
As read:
{"hour": 3, "minute": 22}
